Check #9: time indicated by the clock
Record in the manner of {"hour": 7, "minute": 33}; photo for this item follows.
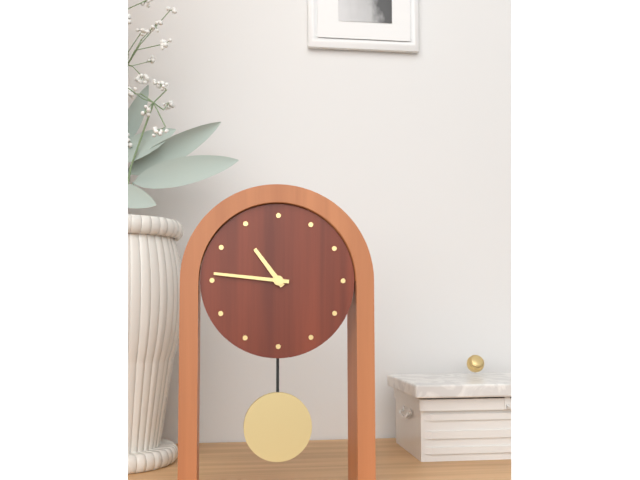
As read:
{"hour": 10, "minute": 46}
